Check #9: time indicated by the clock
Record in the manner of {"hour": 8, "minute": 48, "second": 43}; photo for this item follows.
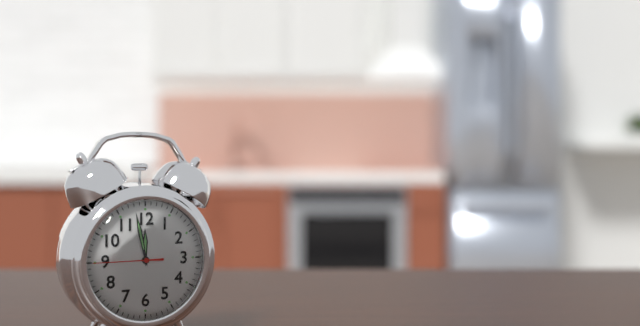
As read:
{"hour": 11, "minute": 58, "second": 45}
